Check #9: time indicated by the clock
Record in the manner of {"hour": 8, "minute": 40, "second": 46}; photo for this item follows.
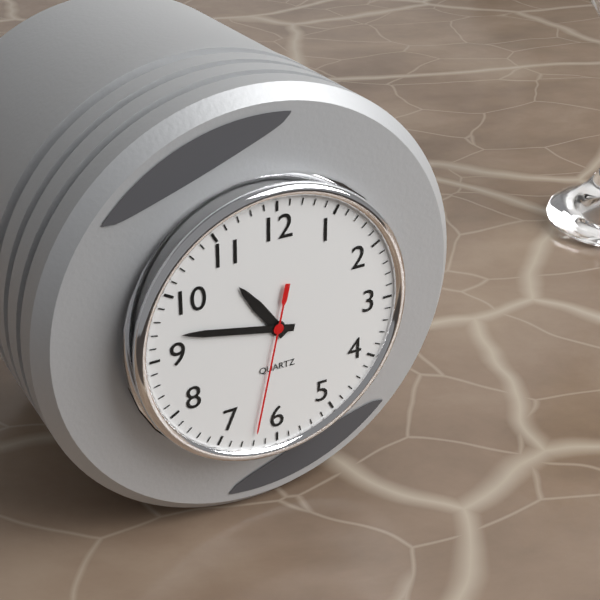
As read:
{"hour": 10, "minute": 47, "second": 32}
